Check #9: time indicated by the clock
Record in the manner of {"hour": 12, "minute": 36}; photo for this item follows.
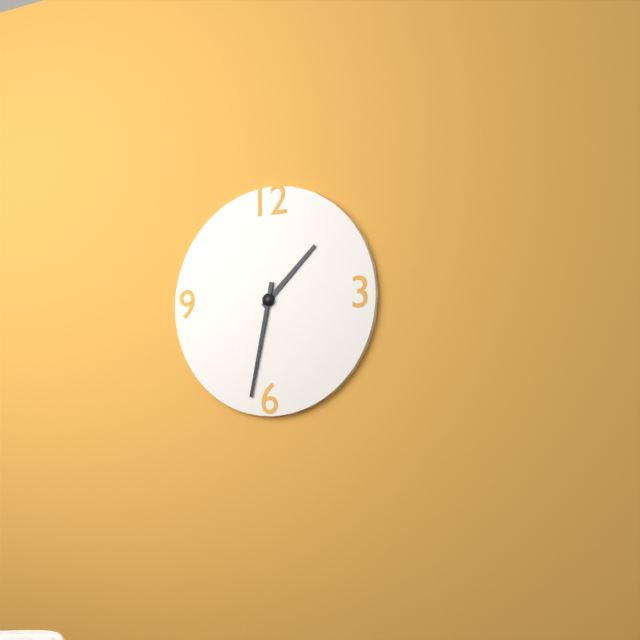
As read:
{"hour": 1, "minute": 32}
